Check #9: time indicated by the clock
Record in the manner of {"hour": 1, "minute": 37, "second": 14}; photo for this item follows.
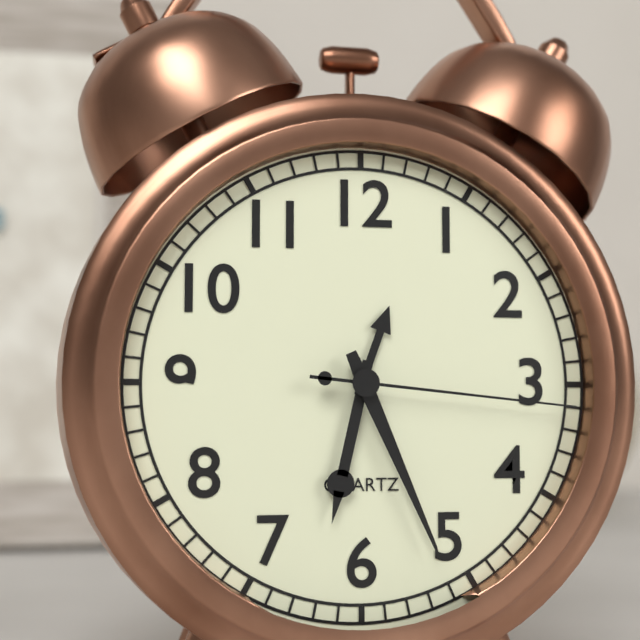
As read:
{"hour": 6, "minute": 26, "second": 16}
